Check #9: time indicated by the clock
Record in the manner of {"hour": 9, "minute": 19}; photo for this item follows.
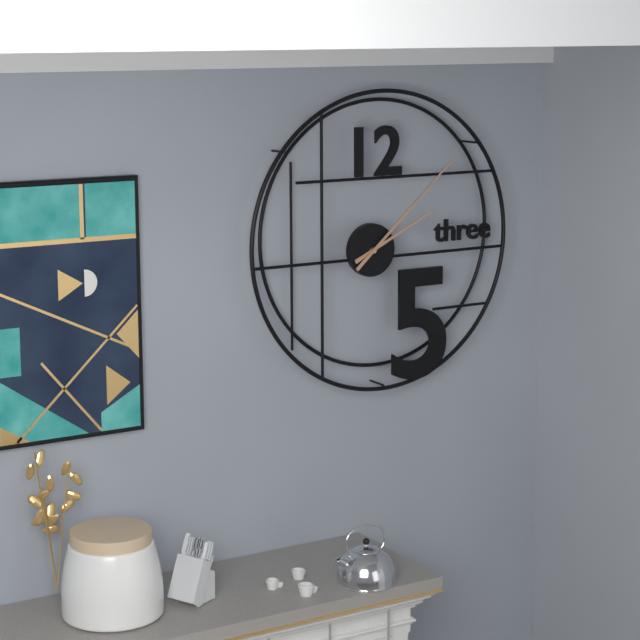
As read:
{"hour": 2, "minute": 8}
